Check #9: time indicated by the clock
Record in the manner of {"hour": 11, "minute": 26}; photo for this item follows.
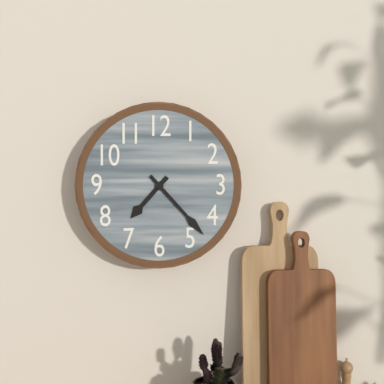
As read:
{"hour": 7, "minute": 23}
